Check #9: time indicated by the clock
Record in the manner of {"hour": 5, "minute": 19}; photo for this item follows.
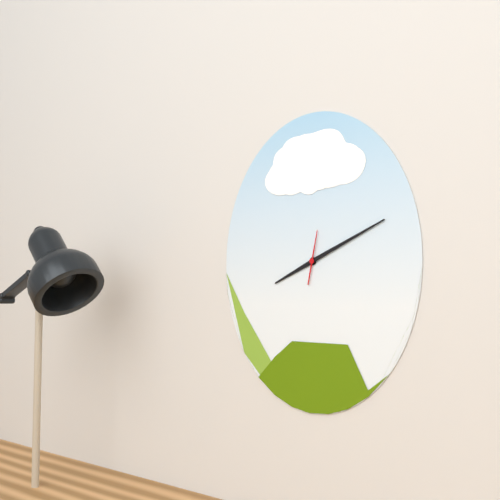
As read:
{"hour": 8, "minute": 11}
